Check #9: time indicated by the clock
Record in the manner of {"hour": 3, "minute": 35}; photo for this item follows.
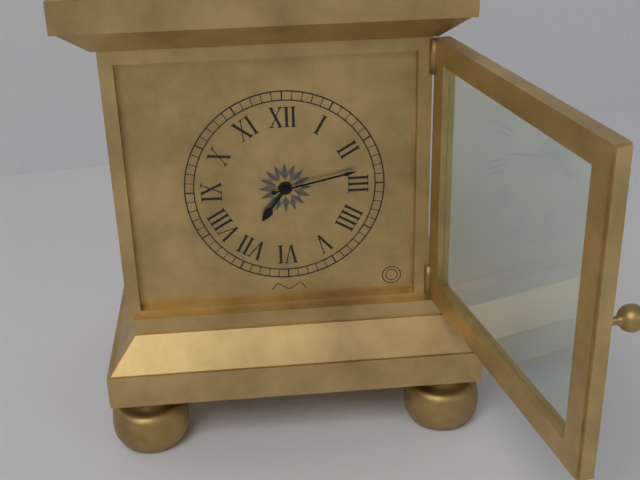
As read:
{"hour": 7, "minute": 13}
